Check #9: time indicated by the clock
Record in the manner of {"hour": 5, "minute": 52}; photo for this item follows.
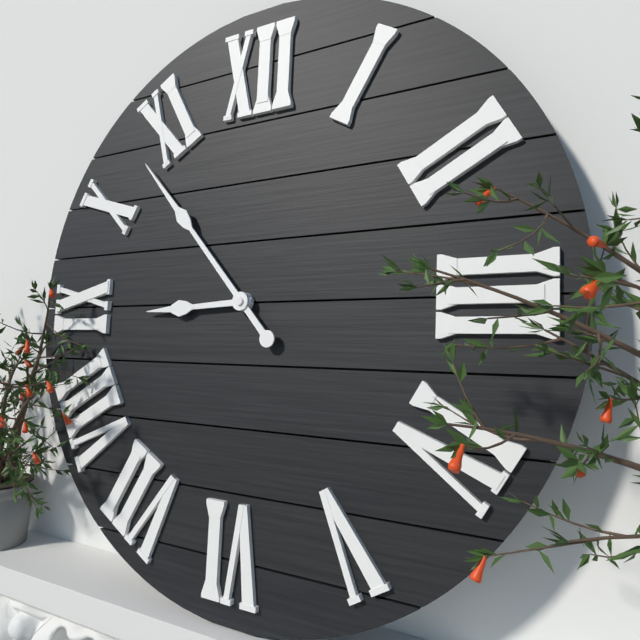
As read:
{"hour": 8, "minute": 53}
